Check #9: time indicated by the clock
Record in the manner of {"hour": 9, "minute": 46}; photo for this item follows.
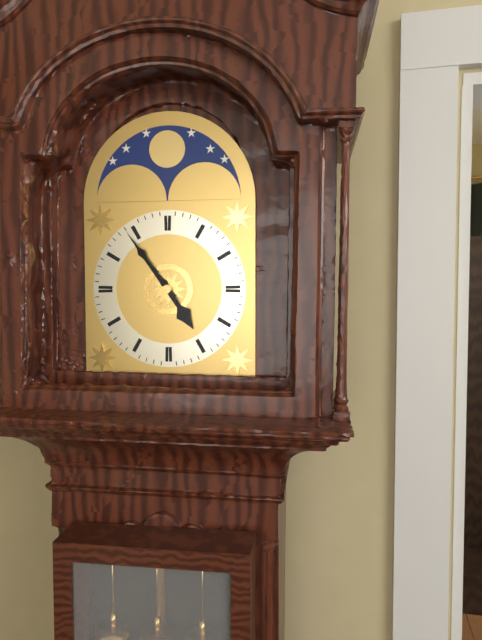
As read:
{"hour": 4, "minute": 54}
